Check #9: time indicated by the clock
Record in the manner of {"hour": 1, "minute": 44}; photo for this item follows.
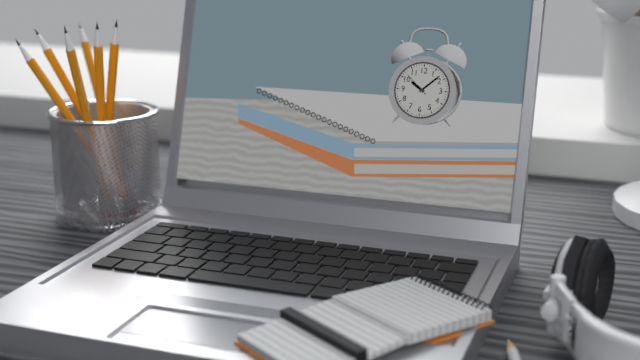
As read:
{"hour": 10, "minute": 8}
